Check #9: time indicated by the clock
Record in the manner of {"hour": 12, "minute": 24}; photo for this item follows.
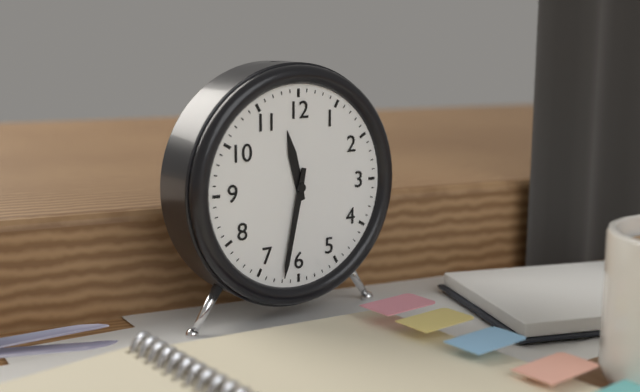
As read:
{"hour": 11, "minute": 32}
